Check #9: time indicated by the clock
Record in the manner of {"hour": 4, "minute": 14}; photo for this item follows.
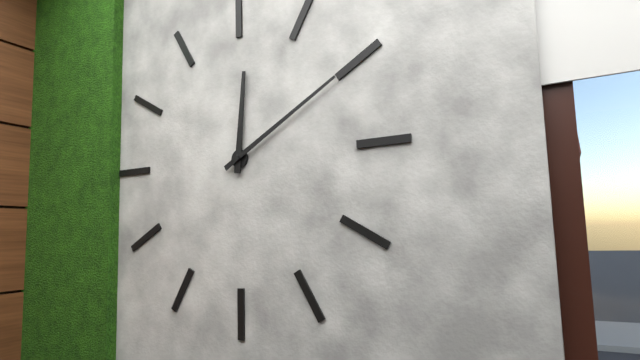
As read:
{"hour": 12, "minute": 10}
